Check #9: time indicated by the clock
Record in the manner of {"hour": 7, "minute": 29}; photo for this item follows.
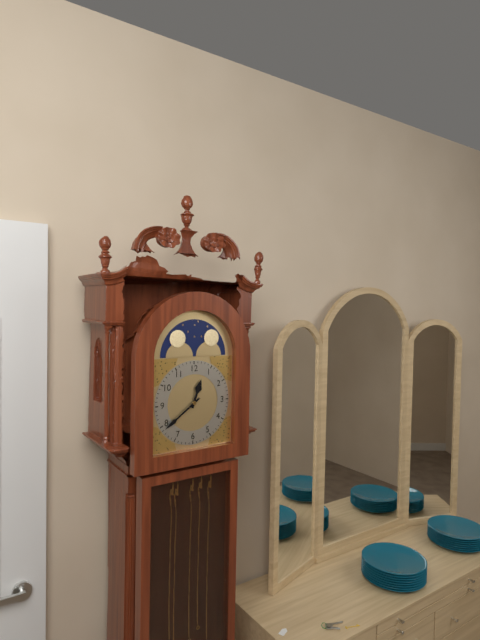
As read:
{"hour": 12, "minute": 39}
